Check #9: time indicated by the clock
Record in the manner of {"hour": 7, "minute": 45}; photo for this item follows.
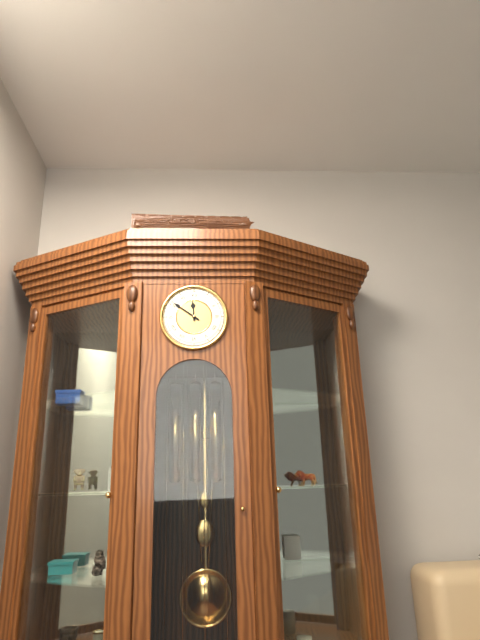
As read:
{"hour": 11, "minute": 51}
